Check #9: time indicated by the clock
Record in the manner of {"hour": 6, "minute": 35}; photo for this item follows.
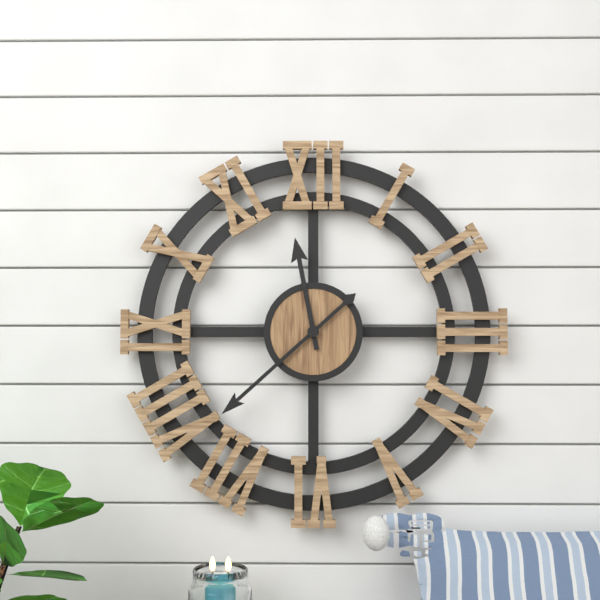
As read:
{"hour": 11, "minute": 38}
